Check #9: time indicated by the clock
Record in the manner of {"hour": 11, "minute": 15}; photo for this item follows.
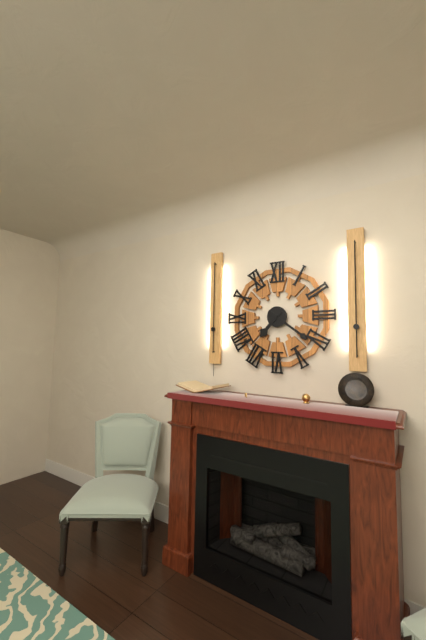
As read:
{"hour": 7, "minute": 21}
